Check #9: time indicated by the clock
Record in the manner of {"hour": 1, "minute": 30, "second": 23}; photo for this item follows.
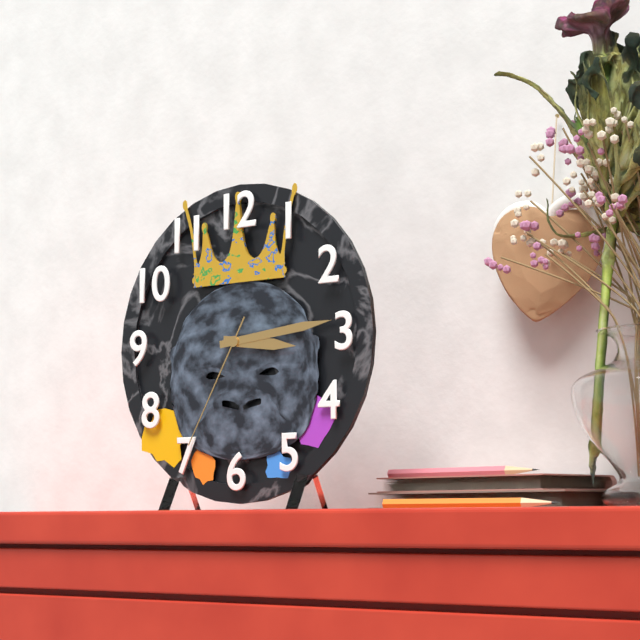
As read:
{"hour": 3, "minute": 14, "second": 35}
